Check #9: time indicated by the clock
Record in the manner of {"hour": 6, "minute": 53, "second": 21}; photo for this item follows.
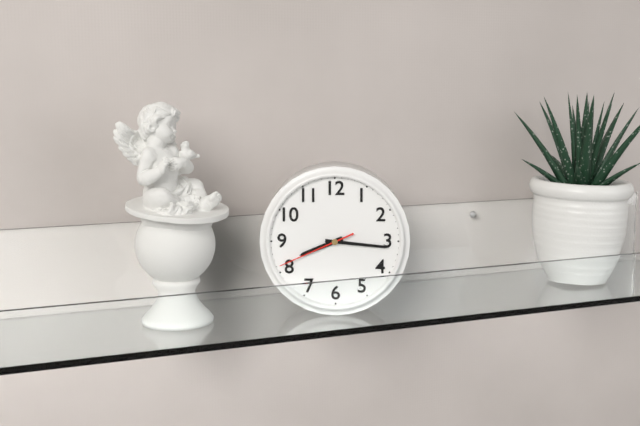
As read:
{"hour": 8, "minute": 16, "second": 41}
